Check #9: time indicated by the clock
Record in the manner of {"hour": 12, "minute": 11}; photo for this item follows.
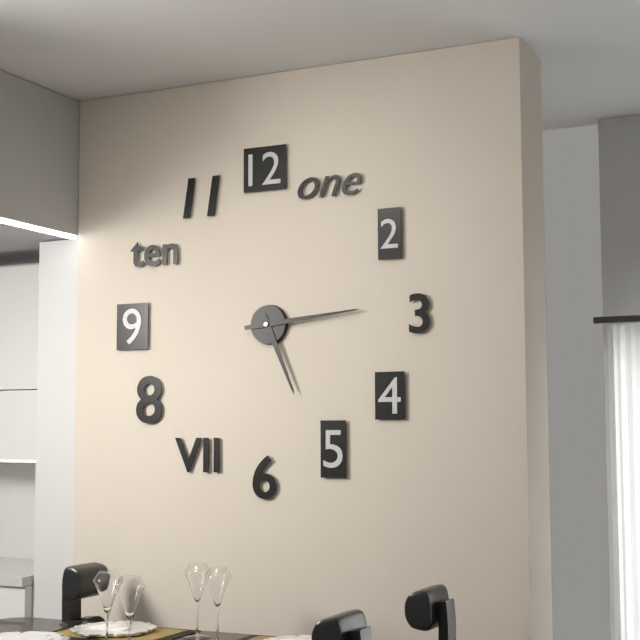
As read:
{"hour": 5, "minute": 14}
